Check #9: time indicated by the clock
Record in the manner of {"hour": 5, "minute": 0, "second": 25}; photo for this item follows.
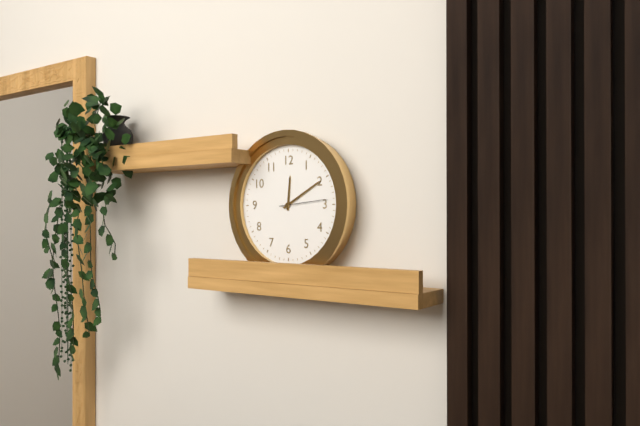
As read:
{"hour": 12, "minute": 10, "second": 14}
